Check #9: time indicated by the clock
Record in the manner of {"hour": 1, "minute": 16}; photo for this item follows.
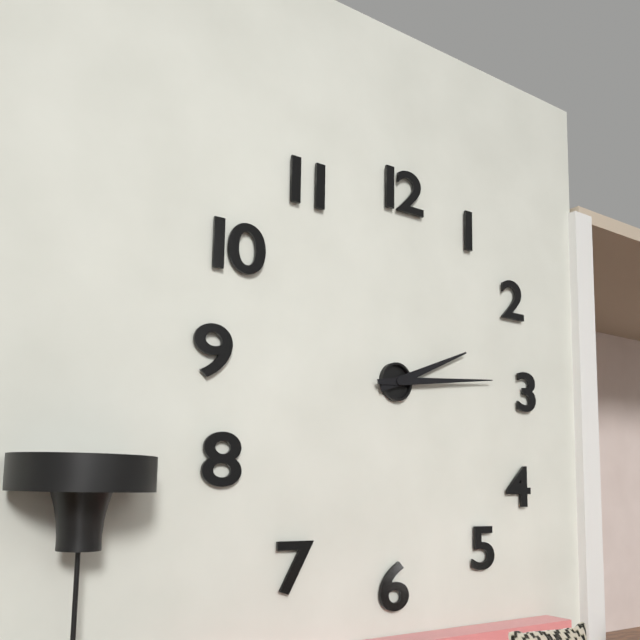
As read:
{"hour": 2, "minute": 14}
